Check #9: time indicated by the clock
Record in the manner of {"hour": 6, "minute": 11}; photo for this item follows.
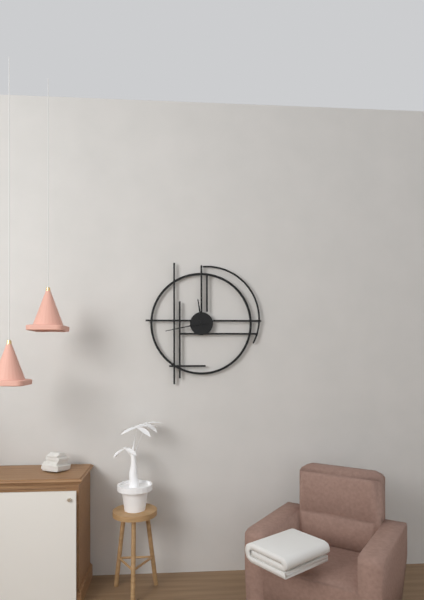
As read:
{"hour": 11, "minute": 43}
